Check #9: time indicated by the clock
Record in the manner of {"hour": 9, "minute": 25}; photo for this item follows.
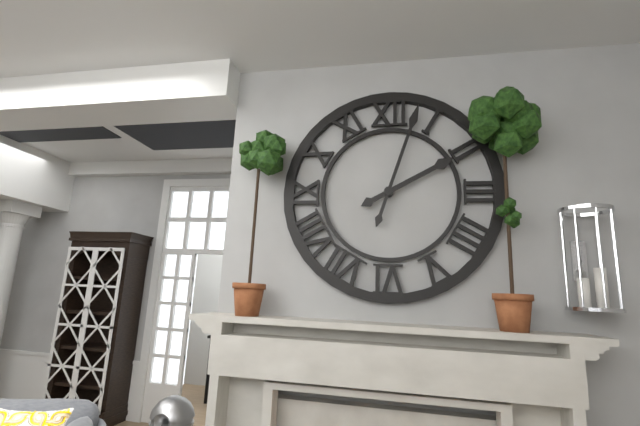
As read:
{"hour": 2, "minute": 3}
